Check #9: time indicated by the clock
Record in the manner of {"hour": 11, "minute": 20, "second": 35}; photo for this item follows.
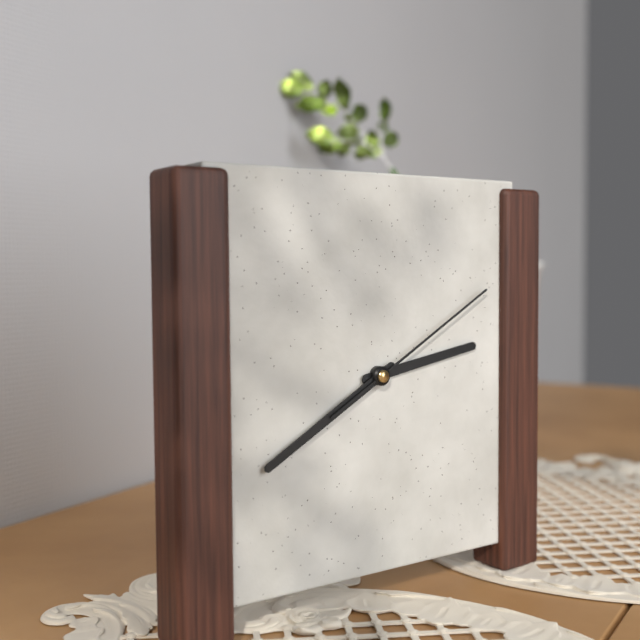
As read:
{"hour": 2, "minute": 40, "second": 10}
